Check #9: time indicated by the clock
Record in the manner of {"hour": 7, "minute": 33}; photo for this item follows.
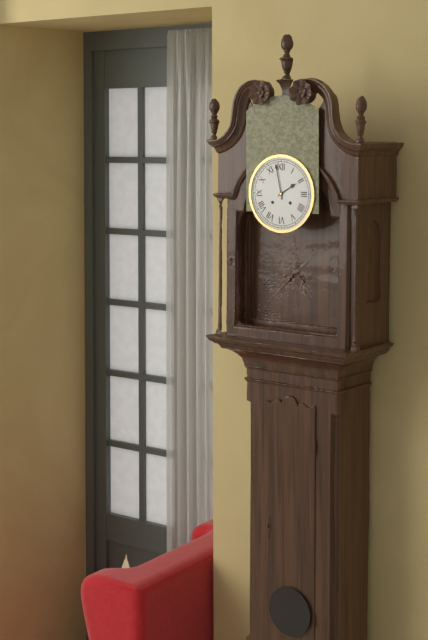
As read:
{"hour": 1, "minute": 58}
